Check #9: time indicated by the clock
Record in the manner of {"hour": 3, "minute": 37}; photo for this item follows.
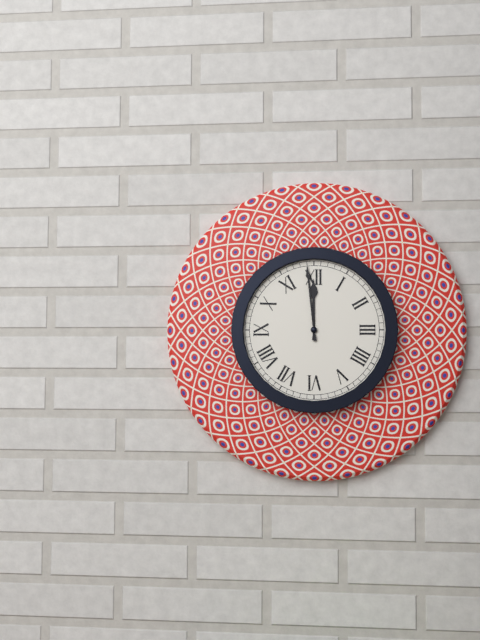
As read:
{"hour": 11, "minute": 59}
